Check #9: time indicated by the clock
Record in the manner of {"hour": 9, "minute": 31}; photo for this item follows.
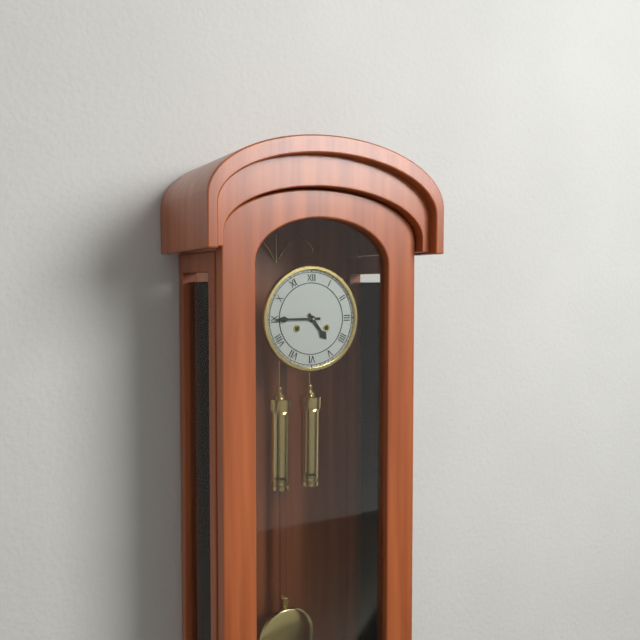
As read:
{"hour": 4, "minute": 45}
